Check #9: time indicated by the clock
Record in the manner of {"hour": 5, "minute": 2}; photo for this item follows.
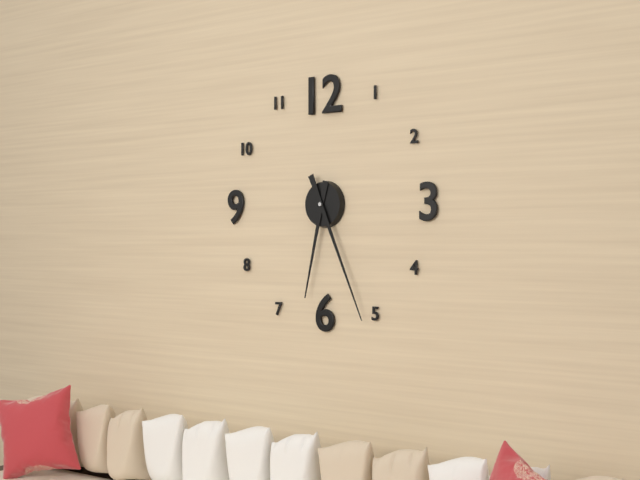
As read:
{"hour": 6, "minute": 26}
